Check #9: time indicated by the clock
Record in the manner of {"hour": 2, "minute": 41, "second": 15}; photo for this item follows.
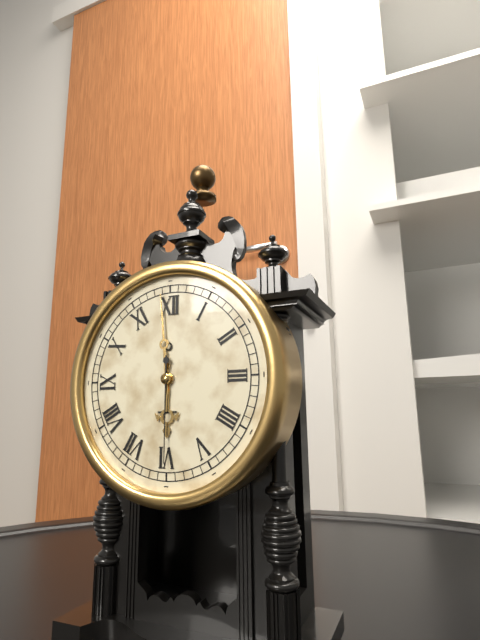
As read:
{"hour": 5, "minute": 59, "second": 30}
